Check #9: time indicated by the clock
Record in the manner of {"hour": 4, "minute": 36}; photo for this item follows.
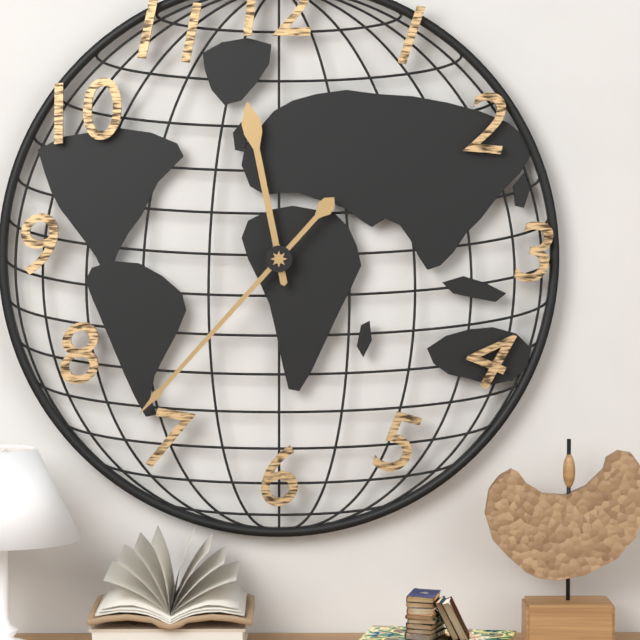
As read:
{"hour": 11, "minute": 37}
